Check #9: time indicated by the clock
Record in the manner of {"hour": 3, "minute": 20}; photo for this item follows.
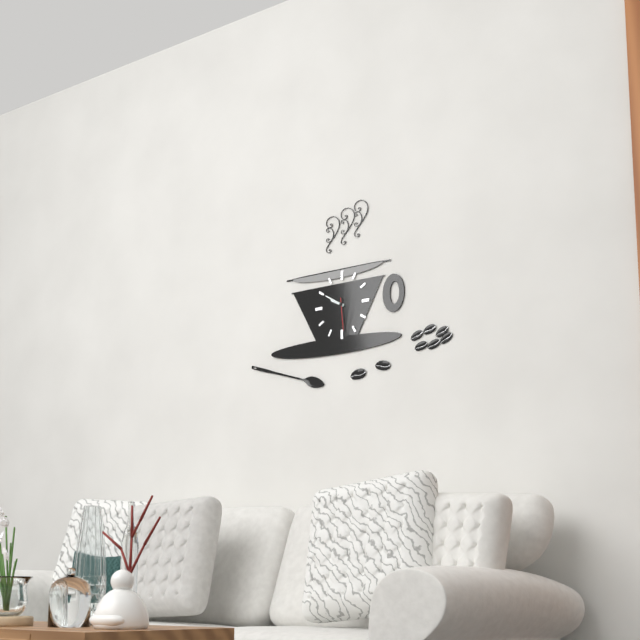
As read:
{"hour": 9, "minute": 50}
